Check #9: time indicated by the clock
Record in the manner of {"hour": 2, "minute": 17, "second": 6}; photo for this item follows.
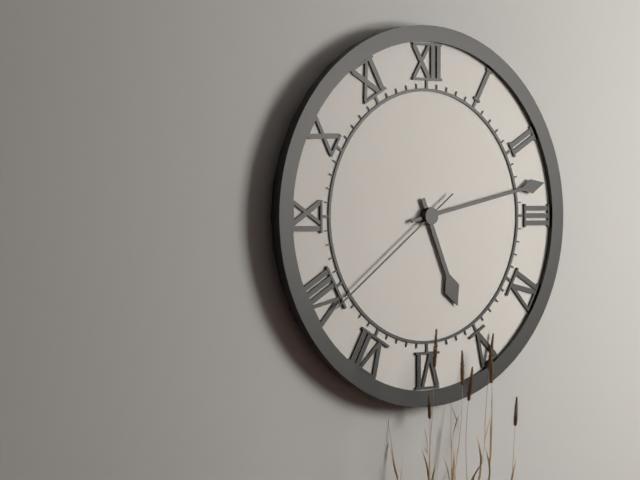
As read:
{"hour": 5, "minute": 13, "second": 39}
